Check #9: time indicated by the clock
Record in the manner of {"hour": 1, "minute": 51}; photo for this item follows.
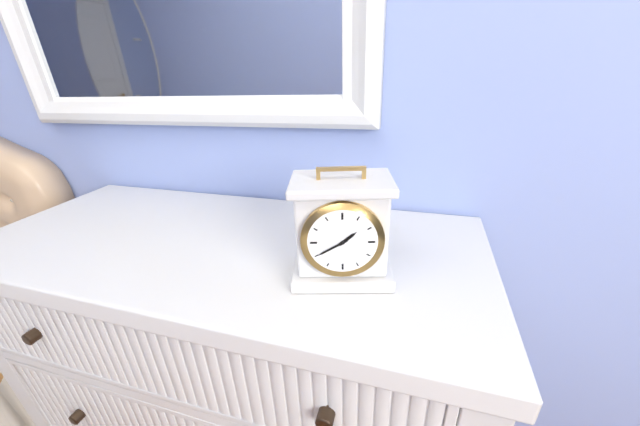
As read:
{"hour": 1, "minute": 40}
